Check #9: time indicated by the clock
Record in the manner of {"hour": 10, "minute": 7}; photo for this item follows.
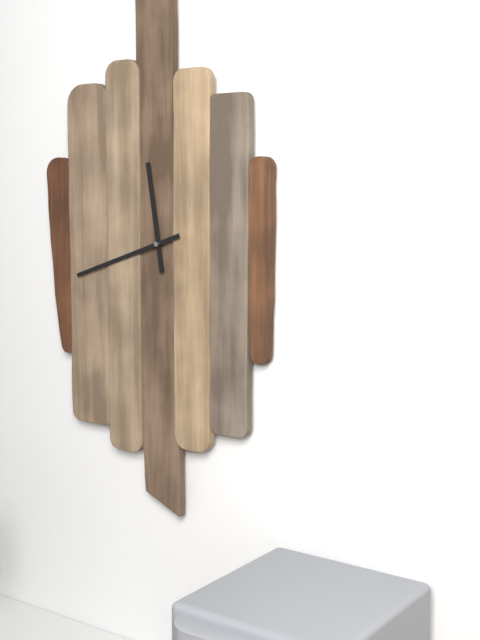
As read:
{"hour": 11, "minute": 42}
